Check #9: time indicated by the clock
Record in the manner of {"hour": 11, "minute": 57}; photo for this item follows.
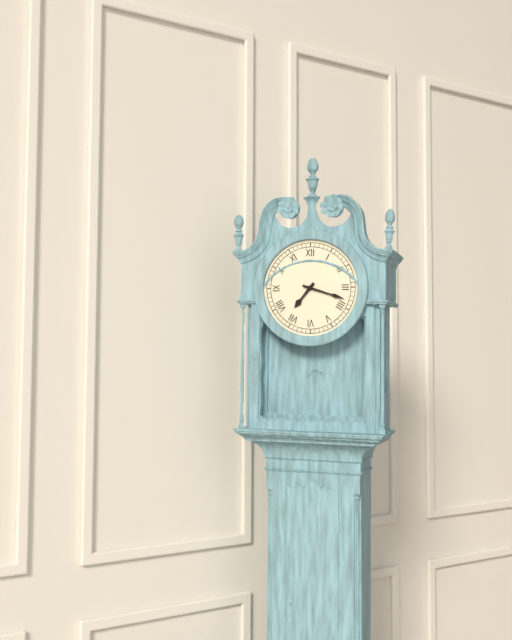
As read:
{"hour": 7, "minute": 18}
